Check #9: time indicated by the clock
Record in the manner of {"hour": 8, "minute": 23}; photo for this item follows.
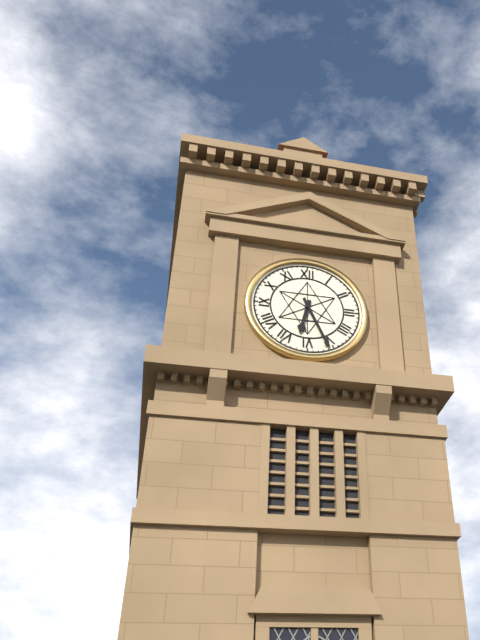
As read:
{"hour": 6, "minute": 26}
